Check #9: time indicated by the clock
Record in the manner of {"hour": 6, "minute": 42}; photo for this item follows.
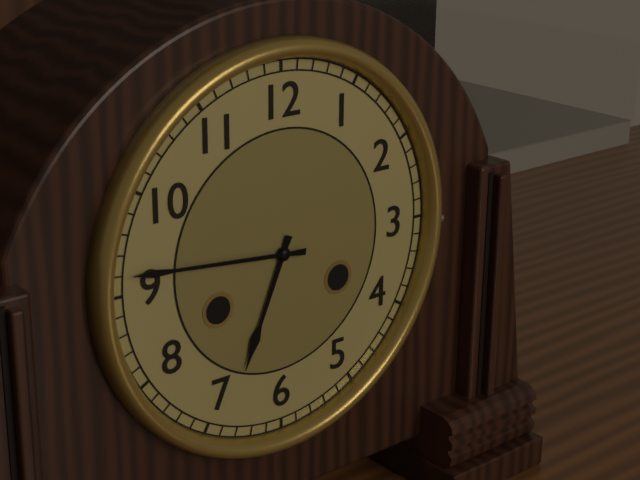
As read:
{"hour": 6, "minute": 46}
